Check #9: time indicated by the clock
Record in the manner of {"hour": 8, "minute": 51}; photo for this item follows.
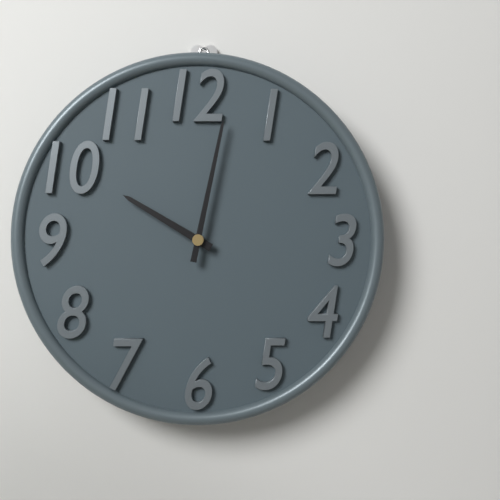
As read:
{"hour": 10, "minute": 2}
